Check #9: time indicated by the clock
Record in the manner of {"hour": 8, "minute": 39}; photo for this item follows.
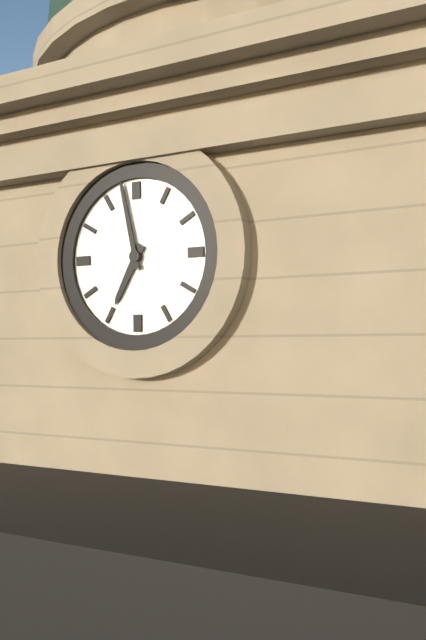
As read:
{"hour": 6, "minute": 58}
